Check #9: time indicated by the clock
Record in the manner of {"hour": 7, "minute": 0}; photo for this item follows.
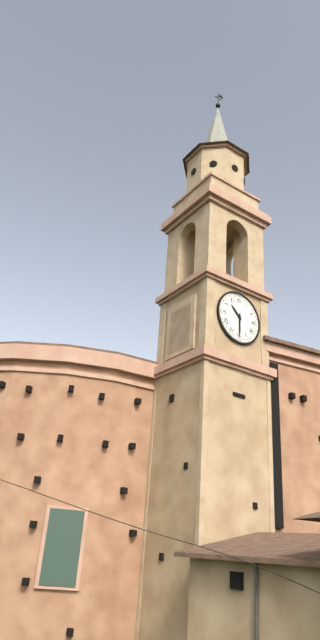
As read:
{"hour": 10, "minute": 30}
